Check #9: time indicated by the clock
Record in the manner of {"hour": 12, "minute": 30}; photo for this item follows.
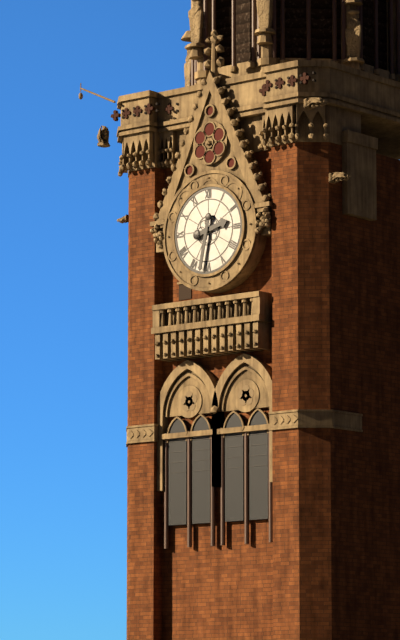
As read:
{"hour": 2, "minute": 32}
